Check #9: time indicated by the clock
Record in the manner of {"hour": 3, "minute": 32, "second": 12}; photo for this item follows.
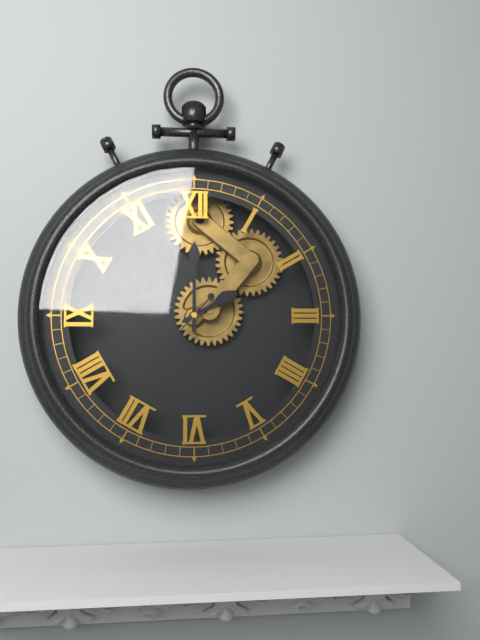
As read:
{"hour": 2, "minute": 0, "second": 37}
